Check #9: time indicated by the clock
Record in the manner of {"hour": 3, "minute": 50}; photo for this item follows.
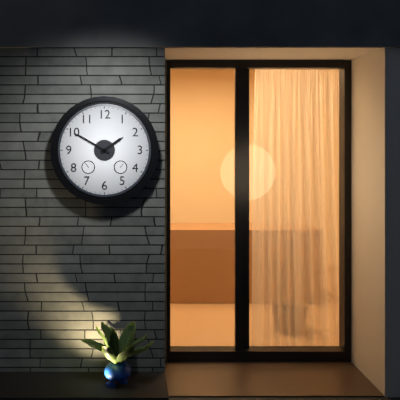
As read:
{"hour": 1, "minute": 50}
